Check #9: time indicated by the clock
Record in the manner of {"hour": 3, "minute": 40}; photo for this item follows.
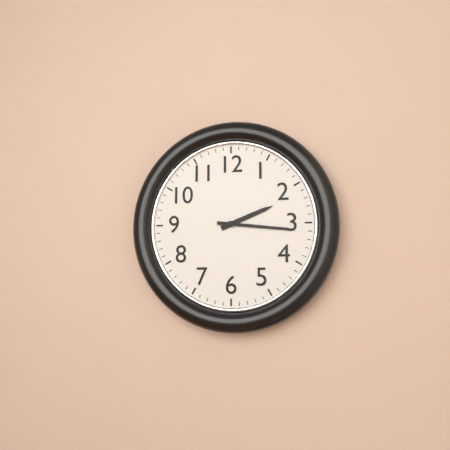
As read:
{"hour": 2, "minute": 16}
